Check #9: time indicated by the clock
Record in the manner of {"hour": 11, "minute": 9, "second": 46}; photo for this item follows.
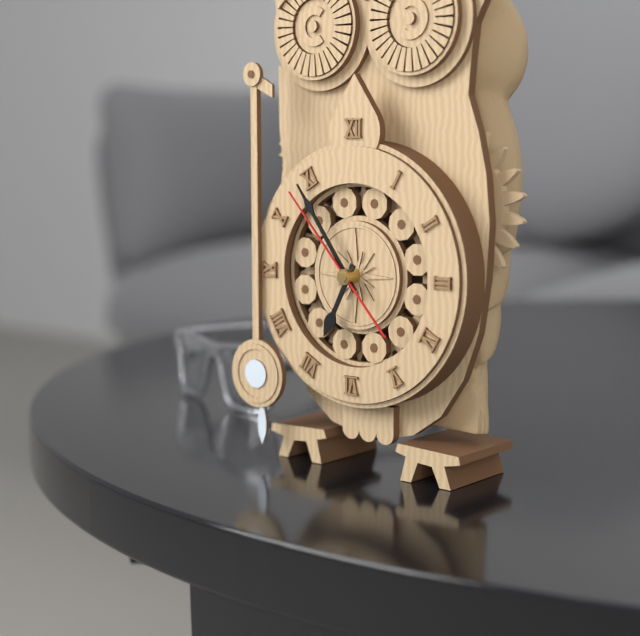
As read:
{"hour": 6, "minute": 54, "second": 53}
